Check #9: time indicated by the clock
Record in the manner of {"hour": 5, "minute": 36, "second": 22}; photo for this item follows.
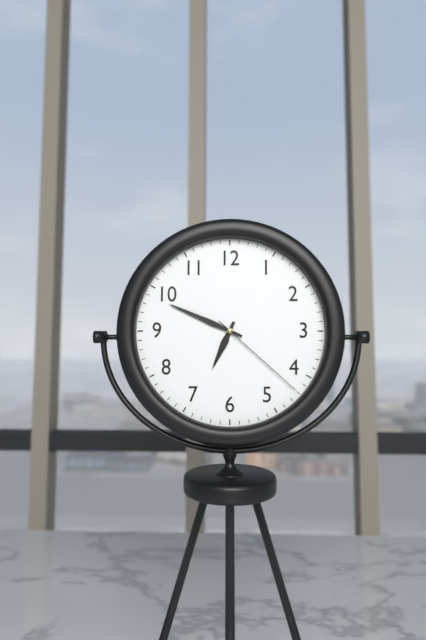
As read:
{"hour": 6, "minute": 49, "second": 22}
